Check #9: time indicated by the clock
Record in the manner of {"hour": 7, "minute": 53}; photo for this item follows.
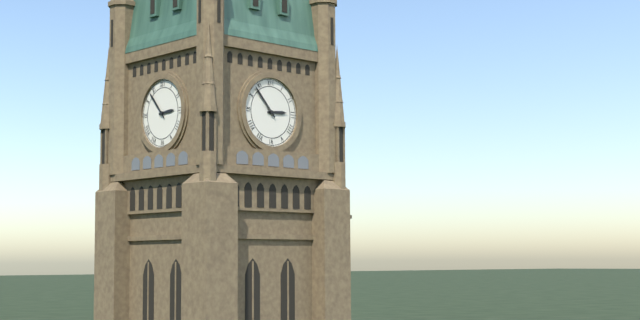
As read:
{"hour": 2, "minute": 53}
